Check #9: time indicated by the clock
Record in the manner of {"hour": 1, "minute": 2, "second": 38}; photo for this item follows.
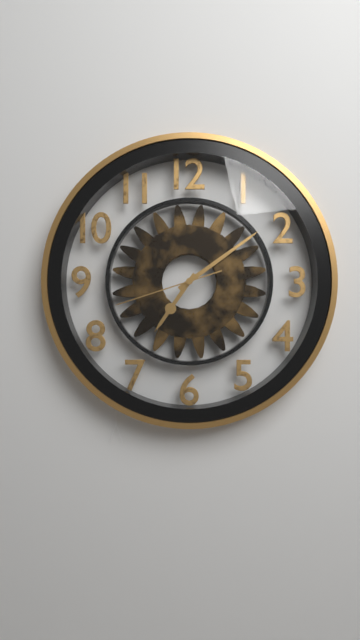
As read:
{"hour": 7, "minute": 9, "second": 42}
